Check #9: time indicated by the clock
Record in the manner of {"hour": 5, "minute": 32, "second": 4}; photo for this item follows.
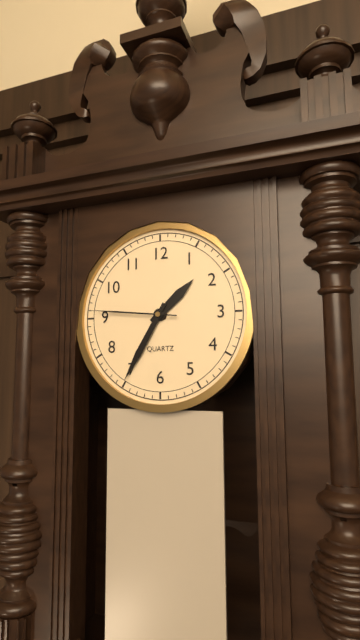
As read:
{"hour": 1, "minute": 35, "second": 46}
